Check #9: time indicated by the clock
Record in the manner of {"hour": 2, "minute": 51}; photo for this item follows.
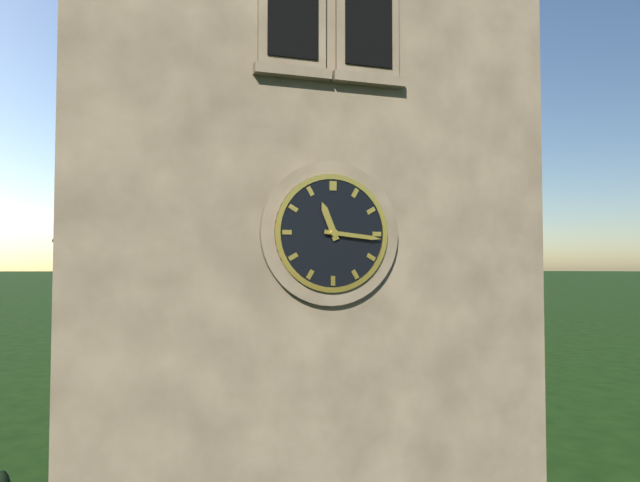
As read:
{"hour": 11, "minute": 16}
